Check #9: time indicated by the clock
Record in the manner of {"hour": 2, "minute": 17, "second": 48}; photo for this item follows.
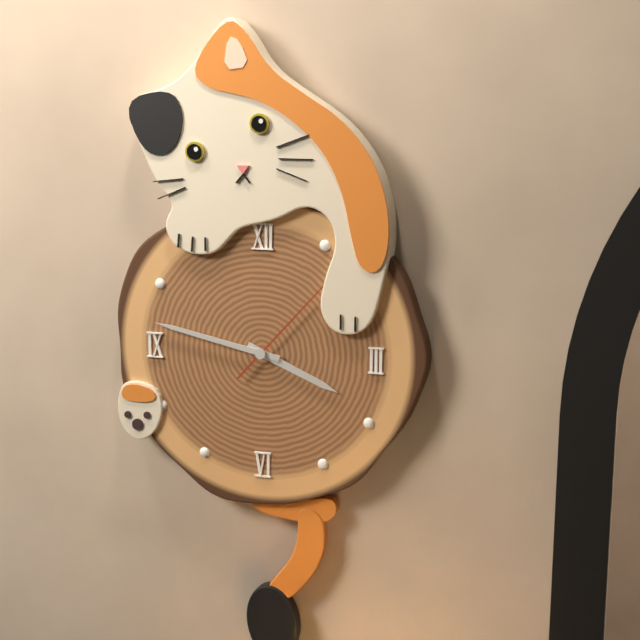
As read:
{"hour": 3, "minute": 47, "second": 7}
